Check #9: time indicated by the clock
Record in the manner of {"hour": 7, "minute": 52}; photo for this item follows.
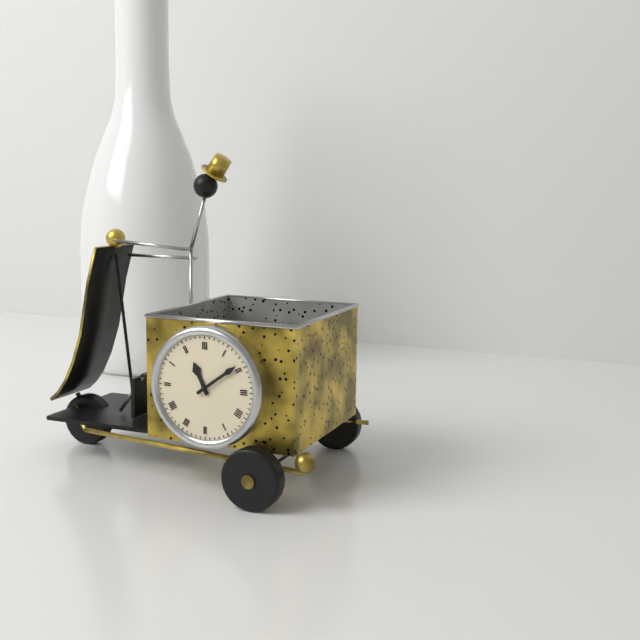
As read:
{"hour": 11, "minute": 9}
